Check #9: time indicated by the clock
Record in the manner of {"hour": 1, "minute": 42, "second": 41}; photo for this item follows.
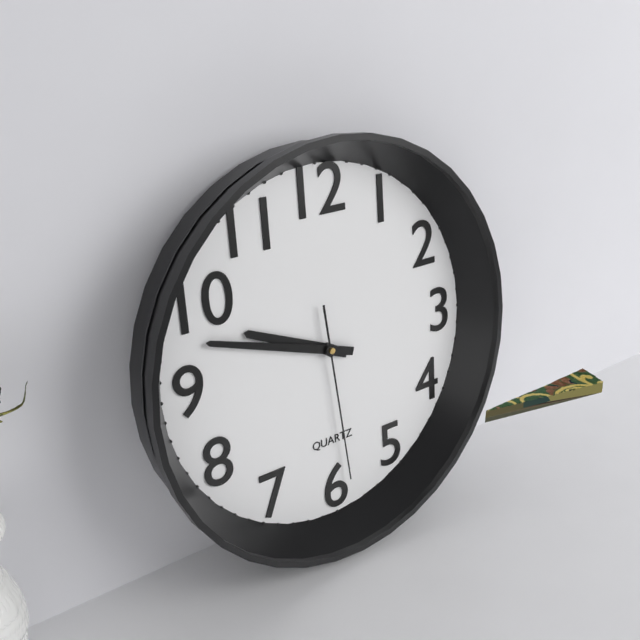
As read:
{"hour": 9, "minute": 48, "second": 29}
